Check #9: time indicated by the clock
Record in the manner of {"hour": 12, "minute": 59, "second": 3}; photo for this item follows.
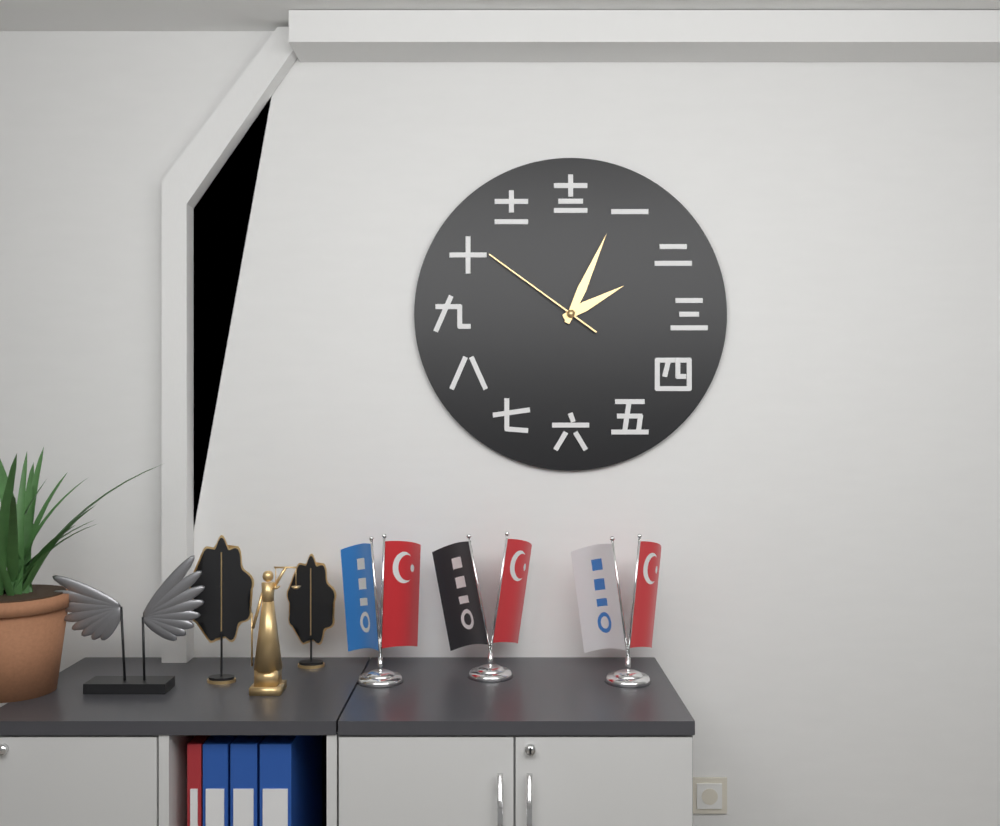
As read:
{"hour": 2, "minute": 4, "second": 51}
